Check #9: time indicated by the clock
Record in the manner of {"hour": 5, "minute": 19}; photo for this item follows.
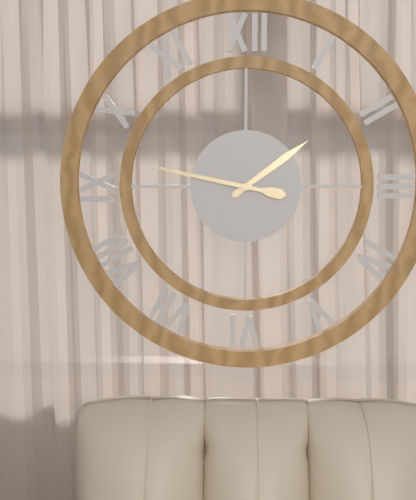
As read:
{"hour": 1, "minute": 47}
